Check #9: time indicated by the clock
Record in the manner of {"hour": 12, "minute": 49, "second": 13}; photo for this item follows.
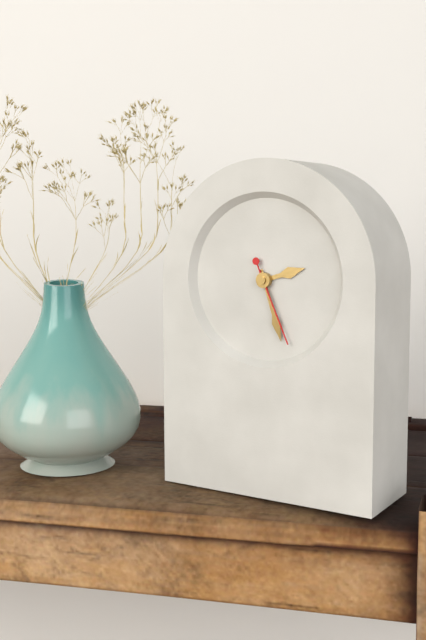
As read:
{"hour": 2, "minute": 27, "second": 26}
